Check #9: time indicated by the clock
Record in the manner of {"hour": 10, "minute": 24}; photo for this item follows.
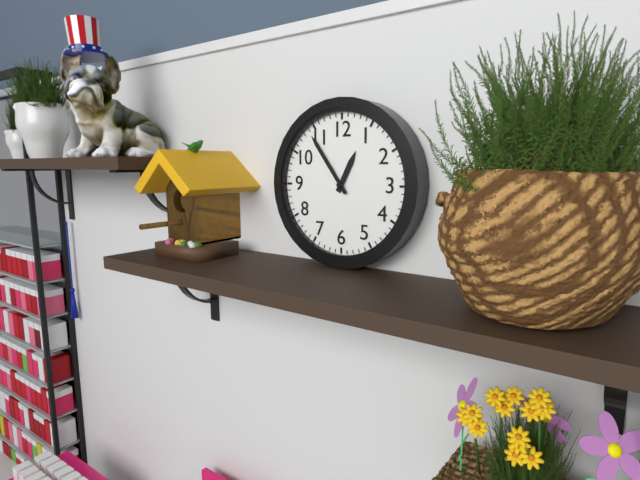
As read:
{"hour": 12, "minute": 54}
